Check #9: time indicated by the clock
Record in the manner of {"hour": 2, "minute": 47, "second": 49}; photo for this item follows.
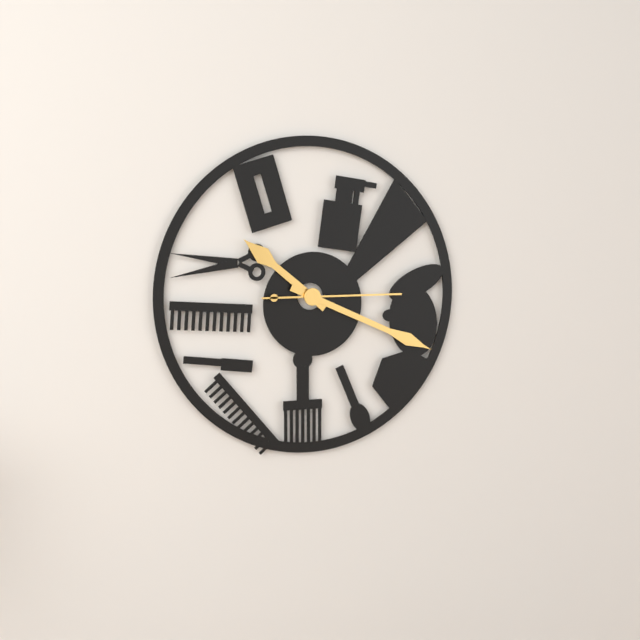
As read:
{"hour": 10, "minute": 19, "second": 15}
